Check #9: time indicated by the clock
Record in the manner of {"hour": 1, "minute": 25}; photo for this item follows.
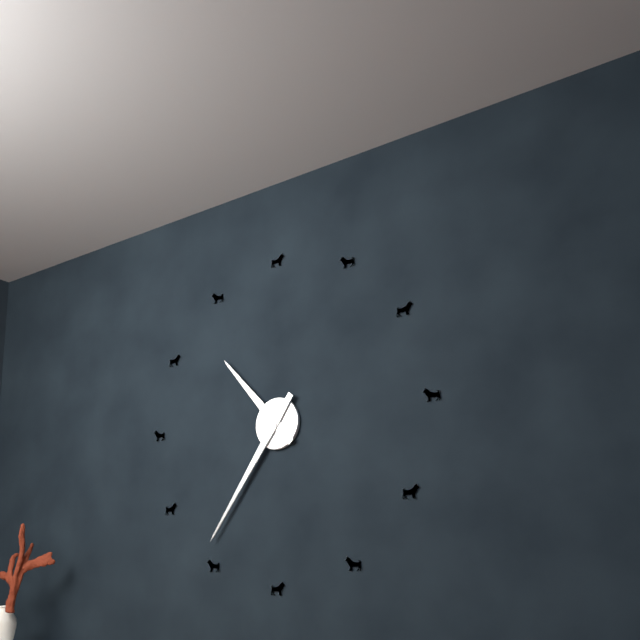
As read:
{"hour": 10, "minute": 36}
